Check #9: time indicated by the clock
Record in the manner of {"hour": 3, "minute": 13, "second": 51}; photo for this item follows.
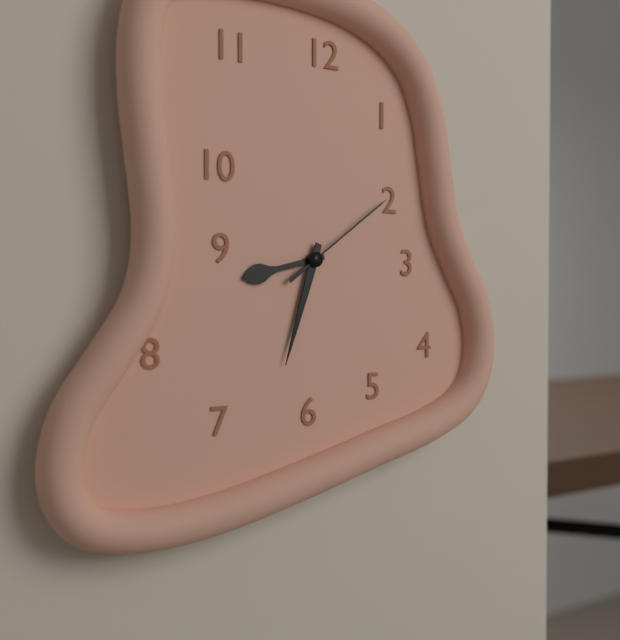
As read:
{"hour": 8, "minute": 33, "second": 9}
